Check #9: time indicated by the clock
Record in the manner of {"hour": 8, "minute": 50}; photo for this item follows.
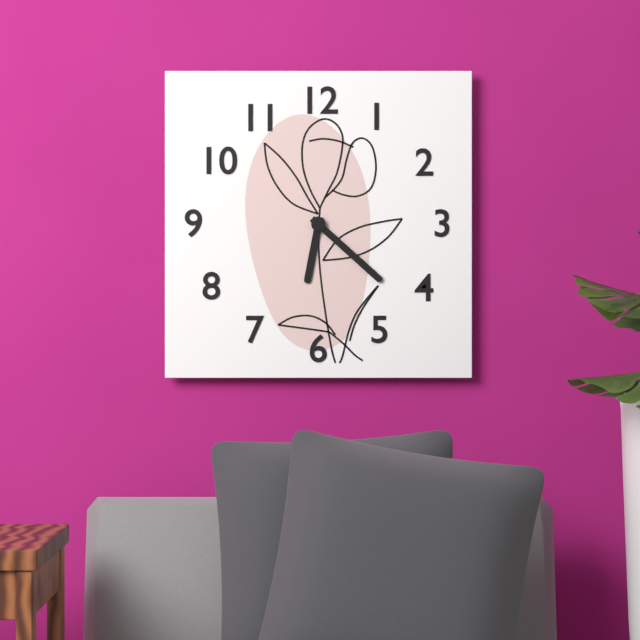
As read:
{"hour": 6, "minute": 22}
